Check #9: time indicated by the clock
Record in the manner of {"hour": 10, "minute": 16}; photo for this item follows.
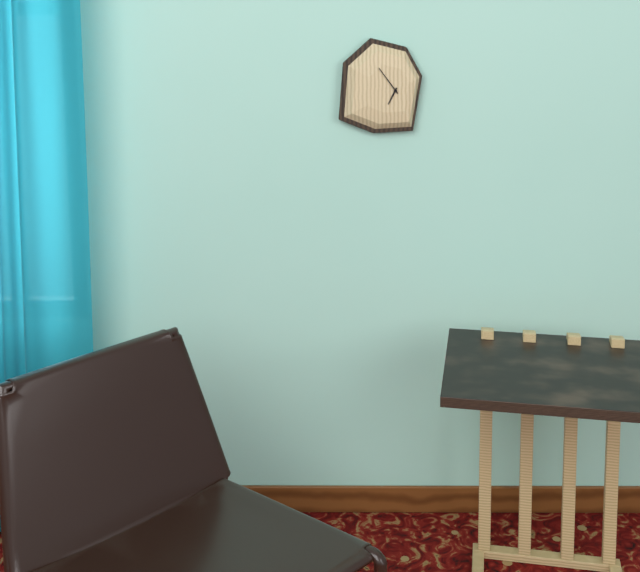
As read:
{"hour": 6, "minute": 54}
